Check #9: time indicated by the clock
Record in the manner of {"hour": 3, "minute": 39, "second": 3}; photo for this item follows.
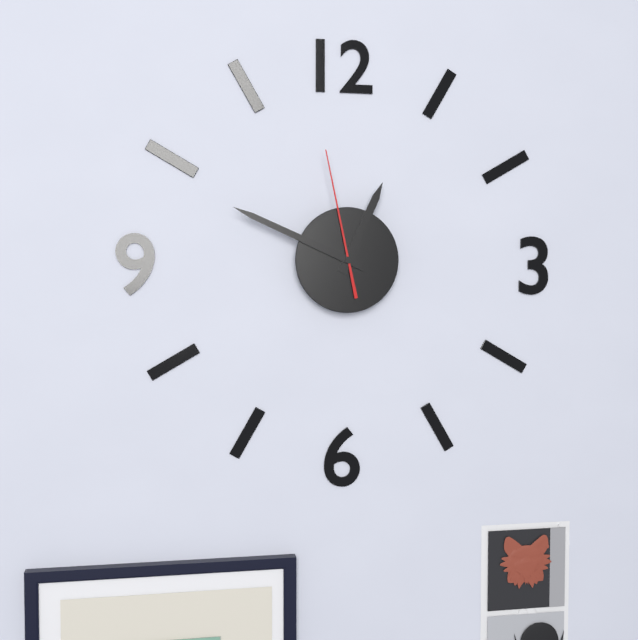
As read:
{"hour": 12, "minute": 49, "second": 58}
